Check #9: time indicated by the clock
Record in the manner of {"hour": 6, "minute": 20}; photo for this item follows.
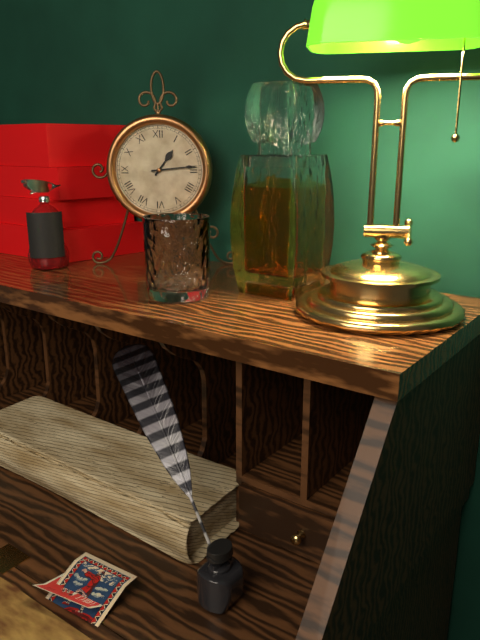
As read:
{"hour": 1, "minute": 14}
